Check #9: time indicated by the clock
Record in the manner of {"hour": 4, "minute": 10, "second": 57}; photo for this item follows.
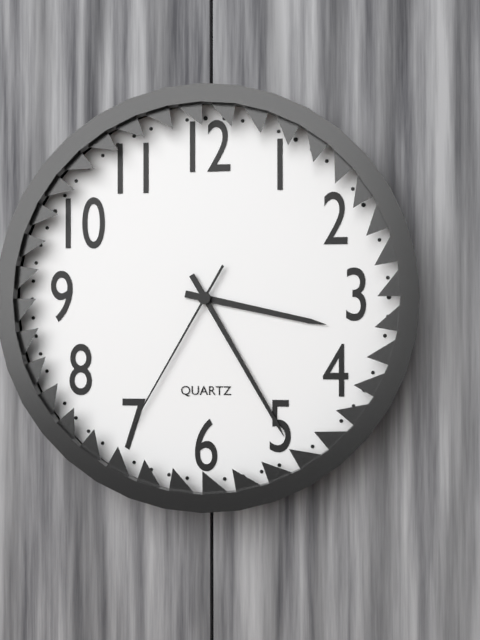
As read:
{"hour": 3, "minute": 25, "second": 35}
